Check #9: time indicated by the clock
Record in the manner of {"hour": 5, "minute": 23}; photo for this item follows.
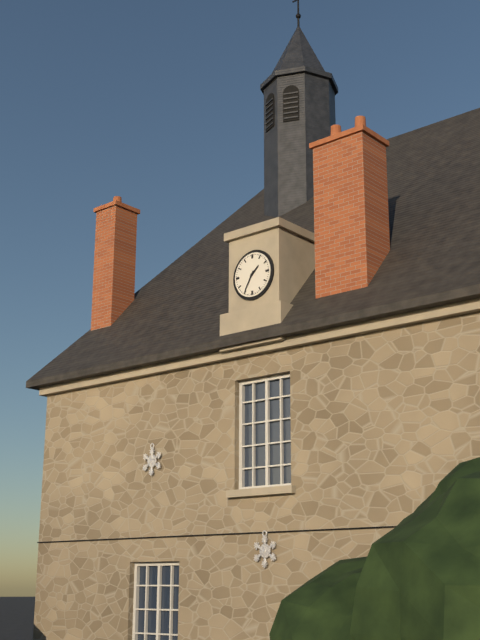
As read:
{"hour": 1, "minute": 35}
